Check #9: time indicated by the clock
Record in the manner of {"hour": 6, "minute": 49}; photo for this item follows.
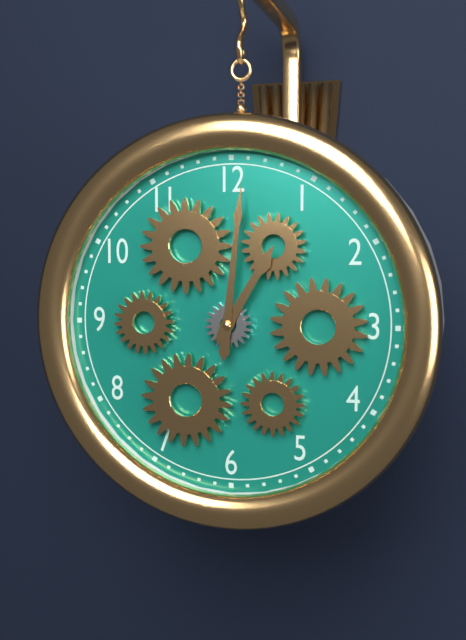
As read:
{"hour": 1, "minute": 1}
